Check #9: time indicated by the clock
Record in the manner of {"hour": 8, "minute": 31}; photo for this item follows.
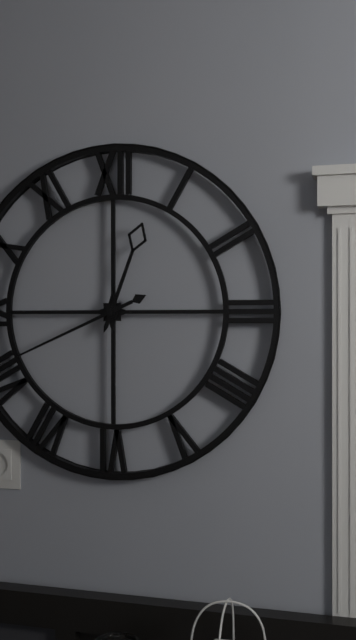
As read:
{"hour": 12, "minute": 41}
